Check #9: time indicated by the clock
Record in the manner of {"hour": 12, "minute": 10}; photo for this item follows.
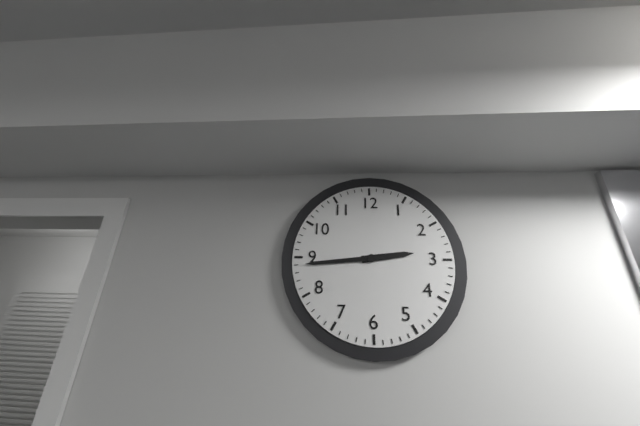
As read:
{"hour": 2, "minute": 44}
